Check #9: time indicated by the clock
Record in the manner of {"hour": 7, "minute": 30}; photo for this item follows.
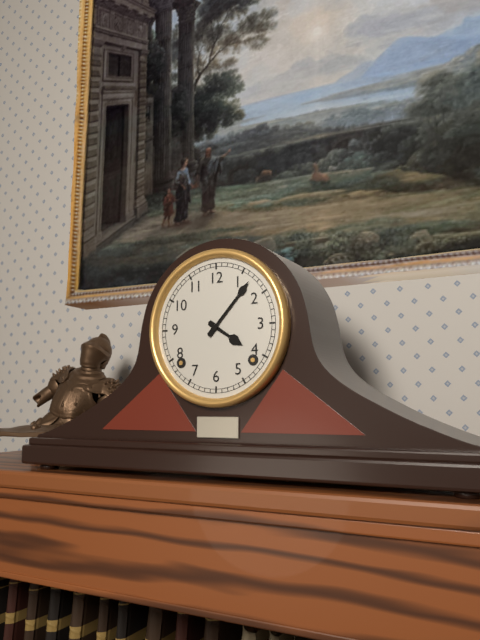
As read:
{"hour": 4, "minute": 7}
